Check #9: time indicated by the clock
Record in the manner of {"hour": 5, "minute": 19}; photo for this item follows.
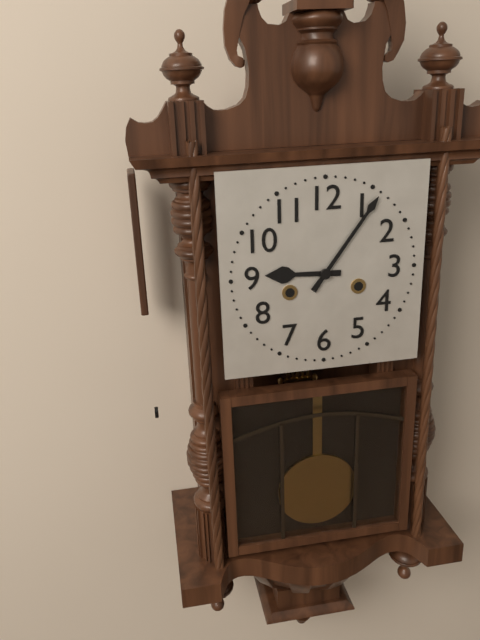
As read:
{"hour": 9, "minute": 6}
